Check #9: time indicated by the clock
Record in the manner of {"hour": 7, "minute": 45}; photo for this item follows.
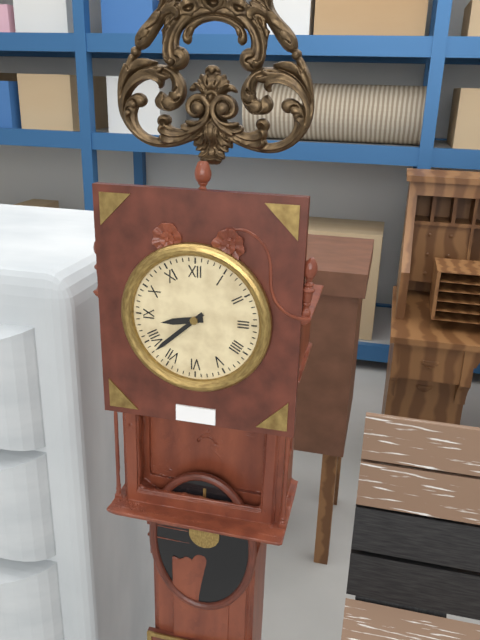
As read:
{"hour": 8, "minute": 38}
